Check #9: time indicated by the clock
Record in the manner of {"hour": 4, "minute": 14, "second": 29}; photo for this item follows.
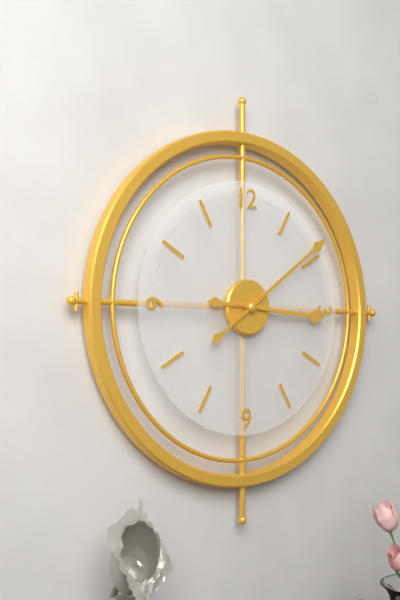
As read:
{"hour": 3, "minute": 9, "second": 16}
